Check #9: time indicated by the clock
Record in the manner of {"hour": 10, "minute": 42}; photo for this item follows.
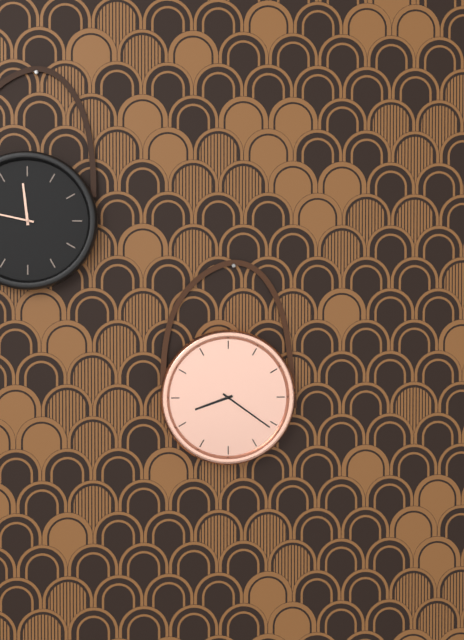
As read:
{"hour": 8, "minute": 21}
